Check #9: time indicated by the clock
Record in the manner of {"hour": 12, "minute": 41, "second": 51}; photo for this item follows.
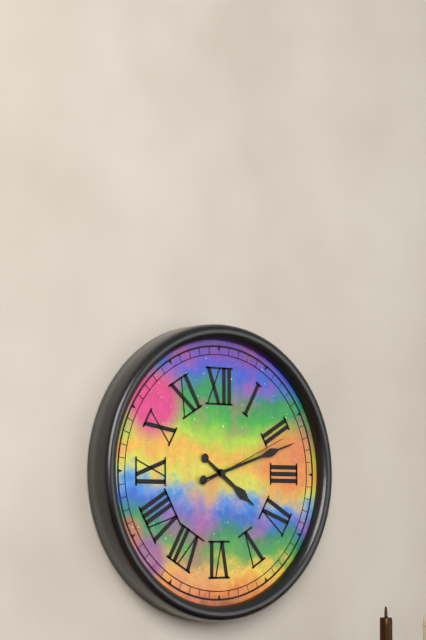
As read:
{"hour": 4, "minute": 12, "second": 11}
